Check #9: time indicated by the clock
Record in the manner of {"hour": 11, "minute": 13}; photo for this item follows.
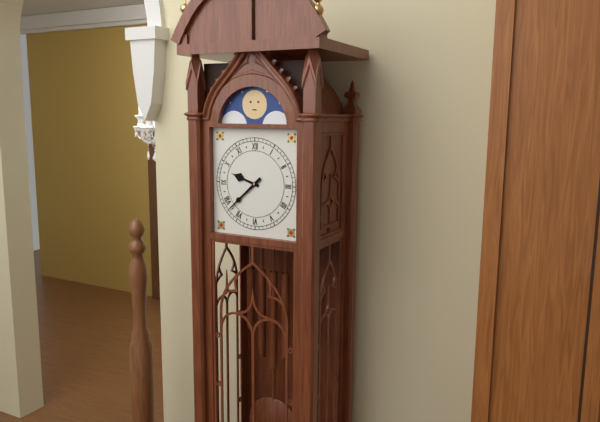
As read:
{"hour": 9, "minute": 38}
